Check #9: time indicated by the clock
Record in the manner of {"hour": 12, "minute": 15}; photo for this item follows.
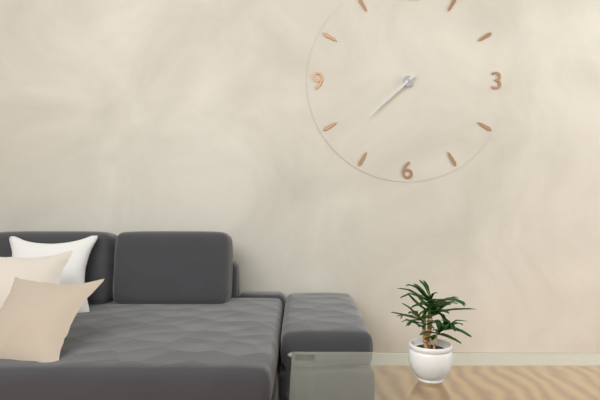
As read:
{"hour": 7, "minute": 38}
